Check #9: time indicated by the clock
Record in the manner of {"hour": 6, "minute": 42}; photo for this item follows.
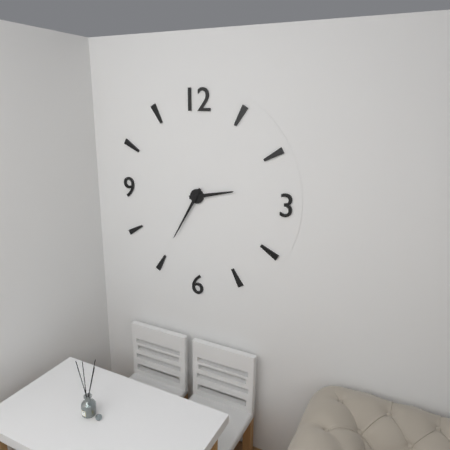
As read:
{"hour": 2, "minute": 35}
